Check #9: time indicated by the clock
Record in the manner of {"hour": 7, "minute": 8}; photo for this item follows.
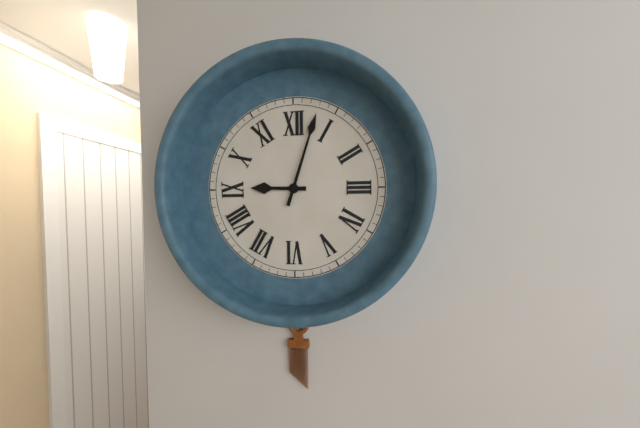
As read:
{"hour": 9, "minute": 3}
